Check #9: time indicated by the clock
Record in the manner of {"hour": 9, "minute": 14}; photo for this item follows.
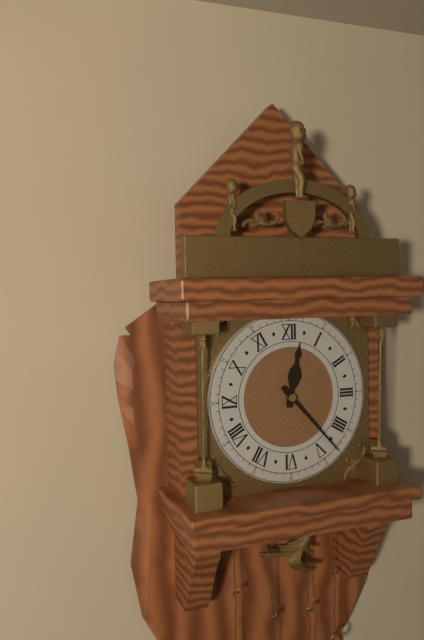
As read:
{"hour": 12, "minute": 23}
